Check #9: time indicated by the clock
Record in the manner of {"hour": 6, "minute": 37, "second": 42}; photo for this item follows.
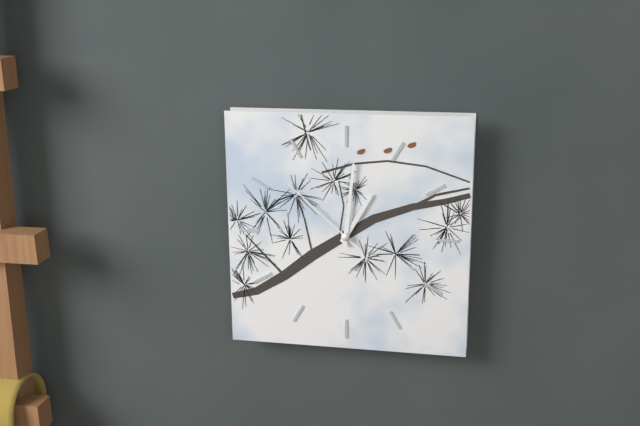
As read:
{"hour": 1, "minute": 1, "second": 52}
